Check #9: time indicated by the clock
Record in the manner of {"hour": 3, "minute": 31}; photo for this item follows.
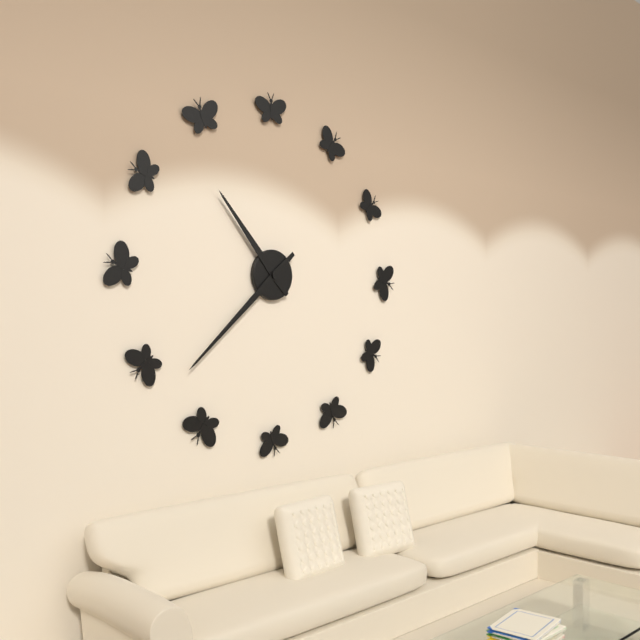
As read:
{"hour": 10, "minute": 38}
